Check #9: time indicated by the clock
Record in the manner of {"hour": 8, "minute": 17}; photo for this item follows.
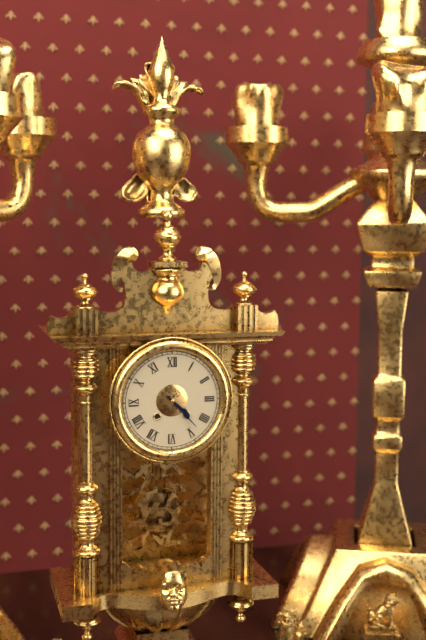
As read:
{"hour": 4, "minute": 23}
